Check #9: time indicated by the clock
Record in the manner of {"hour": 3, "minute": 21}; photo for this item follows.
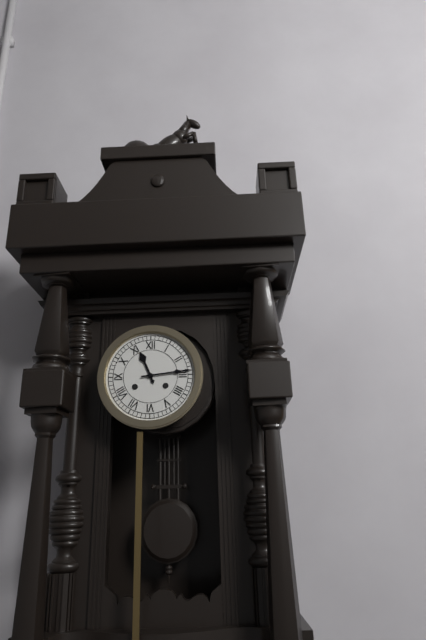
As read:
{"hour": 11, "minute": 14}
